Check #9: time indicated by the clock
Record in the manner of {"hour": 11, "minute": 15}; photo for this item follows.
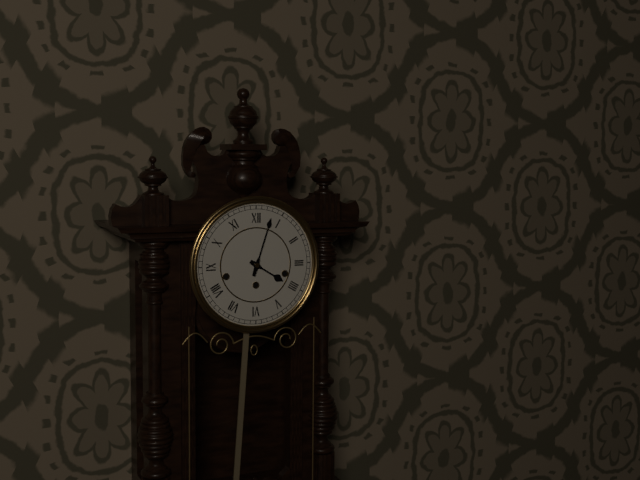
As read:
{"hour": 4, "minute": 3}
